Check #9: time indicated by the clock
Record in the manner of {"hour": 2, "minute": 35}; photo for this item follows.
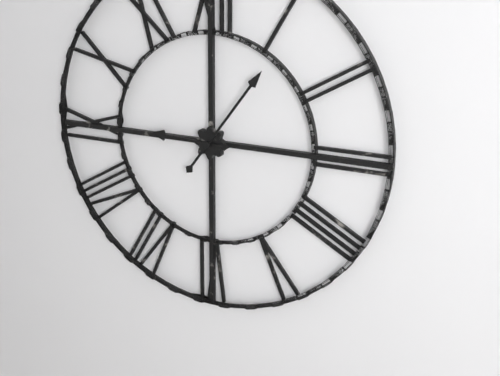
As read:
{"hour": 9, "minute": 6}
